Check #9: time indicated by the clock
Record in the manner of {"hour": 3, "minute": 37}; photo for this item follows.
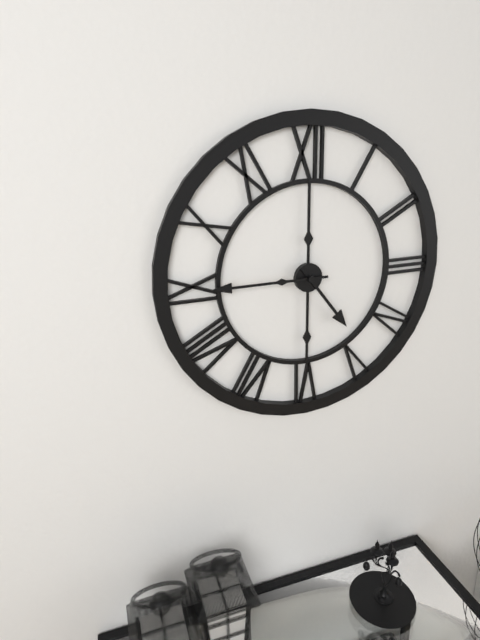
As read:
{"hour": 4, "minute": 45}
